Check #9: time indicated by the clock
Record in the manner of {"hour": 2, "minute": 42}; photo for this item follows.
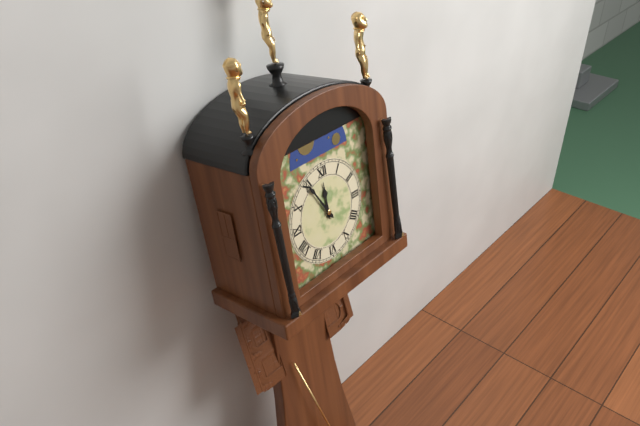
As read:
{"hour": 11, "minute": 55}
